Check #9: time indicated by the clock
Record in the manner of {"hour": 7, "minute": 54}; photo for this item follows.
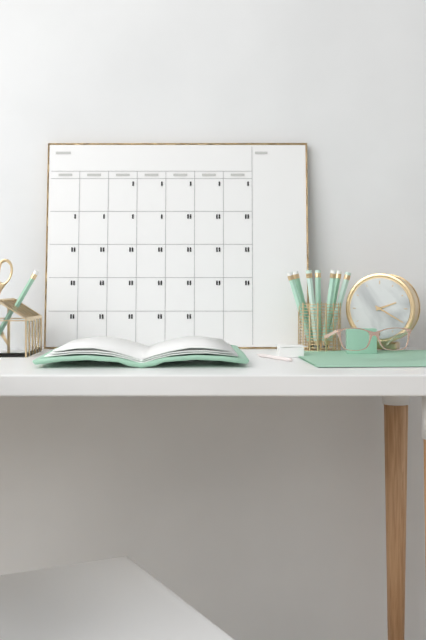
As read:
{"hour": 2, "minute": 20}
